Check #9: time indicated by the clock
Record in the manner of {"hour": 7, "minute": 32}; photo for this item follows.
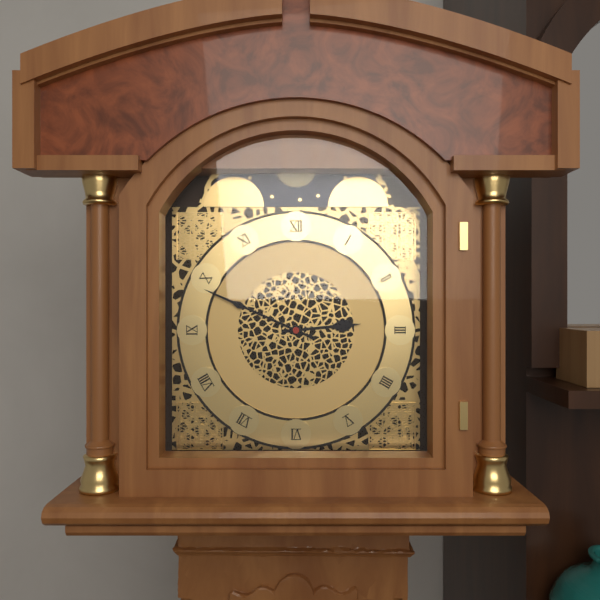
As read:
{"hour": 2, "minute": 49}
